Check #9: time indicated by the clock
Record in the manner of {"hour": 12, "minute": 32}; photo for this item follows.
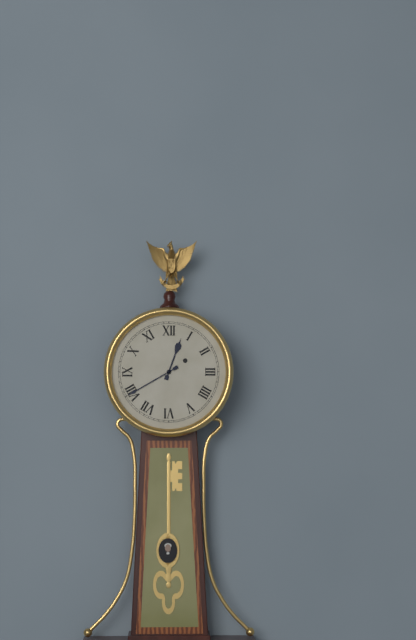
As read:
{"hour": 12, "minute": 40}
